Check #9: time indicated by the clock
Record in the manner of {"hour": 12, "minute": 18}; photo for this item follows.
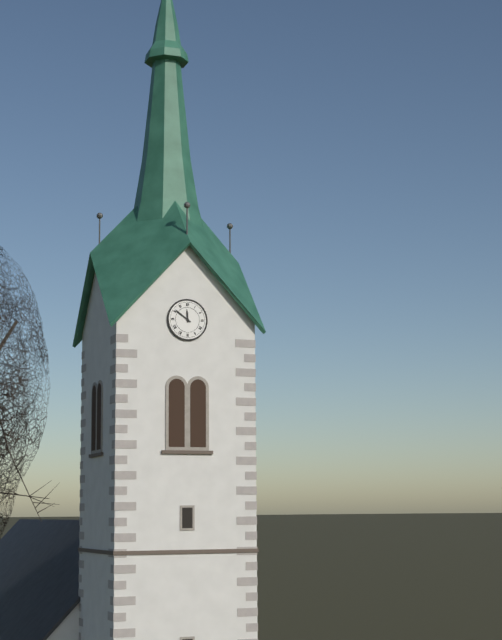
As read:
{"hour": 11, "minute": 51}
